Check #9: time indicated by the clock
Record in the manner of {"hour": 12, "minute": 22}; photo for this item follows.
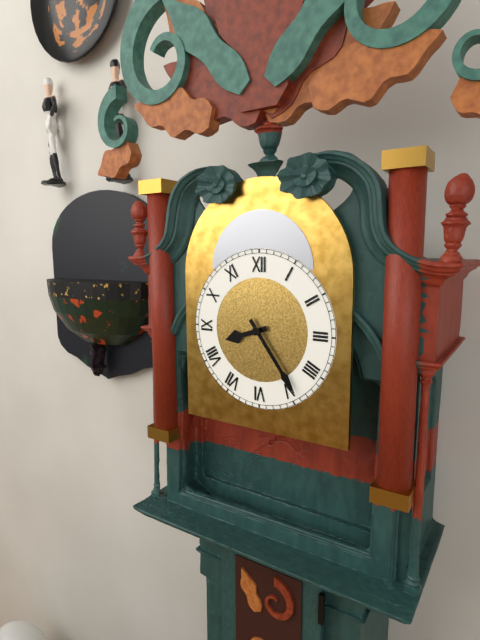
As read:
{"hour": 8, "minute": 24}
